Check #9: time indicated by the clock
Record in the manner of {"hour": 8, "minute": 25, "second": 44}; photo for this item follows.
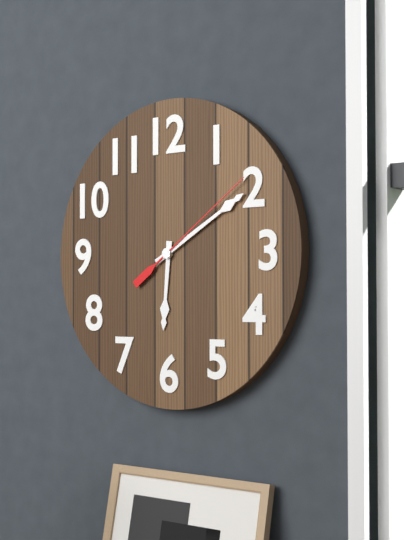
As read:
{"hour": 6, "minute": 10, "second": 9}
